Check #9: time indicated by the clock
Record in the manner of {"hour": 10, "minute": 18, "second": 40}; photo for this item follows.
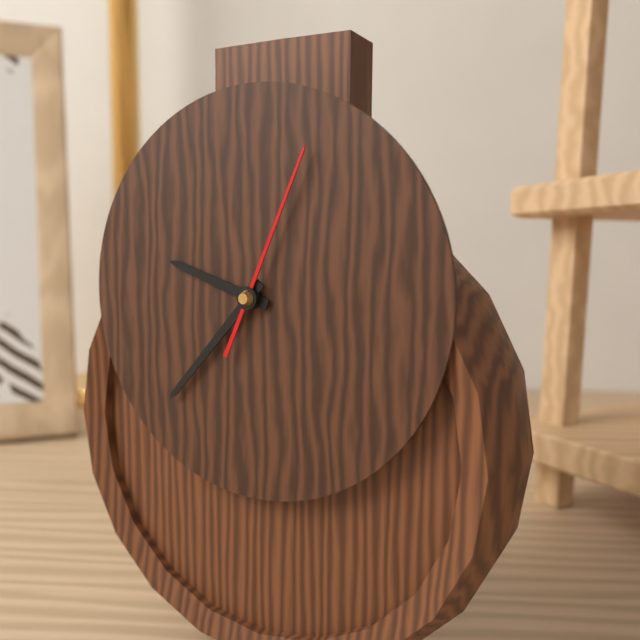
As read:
{"hour": 9, "minute": 37, "second": 4}
